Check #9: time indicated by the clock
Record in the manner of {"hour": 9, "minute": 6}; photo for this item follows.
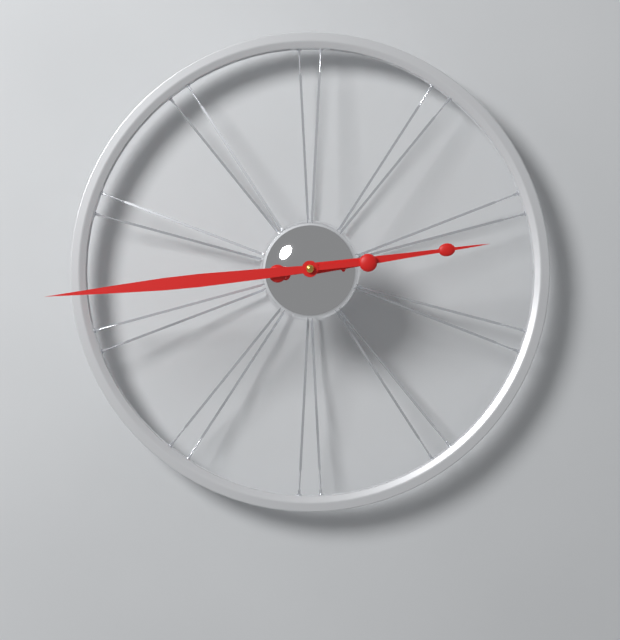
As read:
{"hour": 2, "minute": 44}
